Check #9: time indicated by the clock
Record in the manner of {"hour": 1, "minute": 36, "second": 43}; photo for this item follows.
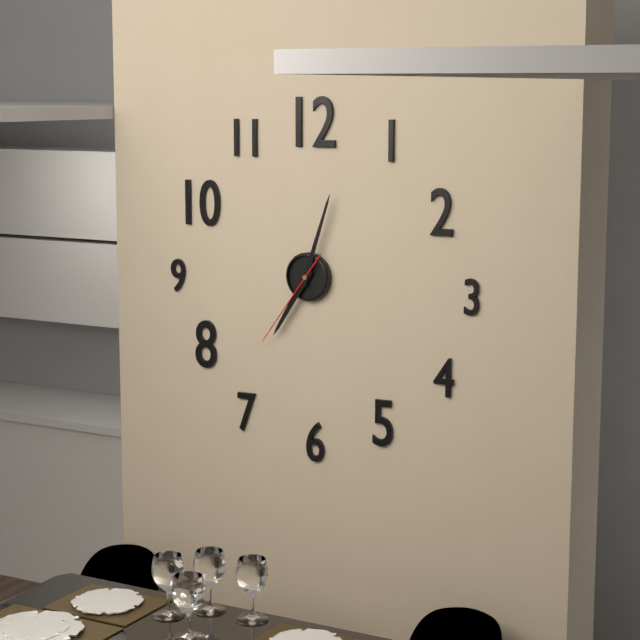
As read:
{"hour": 7, "minute": 3, "second": 36}
